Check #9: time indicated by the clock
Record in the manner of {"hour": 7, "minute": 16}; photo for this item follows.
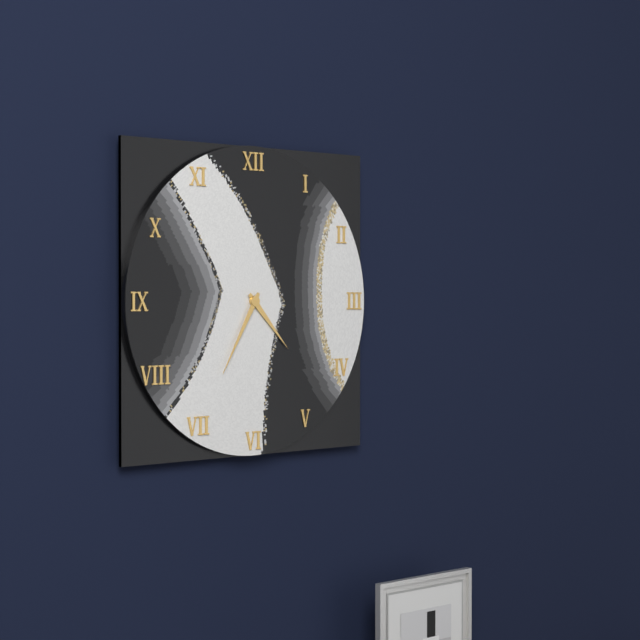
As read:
{"hour": 4, "minute": 35}
